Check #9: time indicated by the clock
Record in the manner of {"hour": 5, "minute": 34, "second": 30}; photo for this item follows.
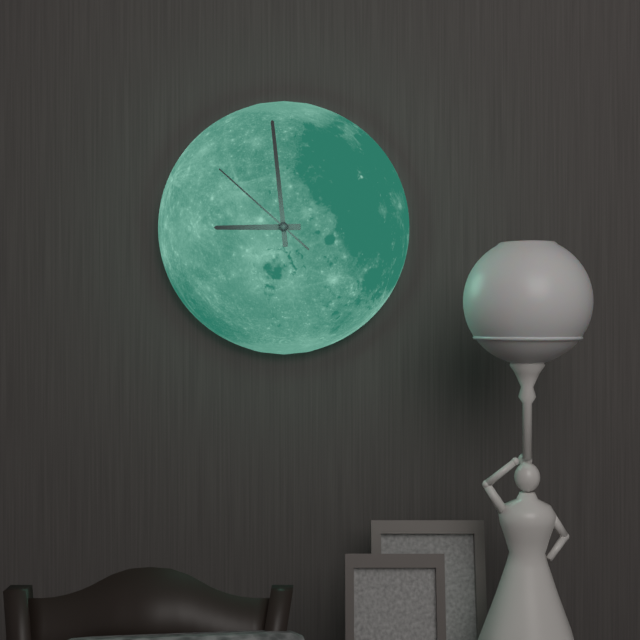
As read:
{"hour": 8, "minute": 59, "second": 52}
